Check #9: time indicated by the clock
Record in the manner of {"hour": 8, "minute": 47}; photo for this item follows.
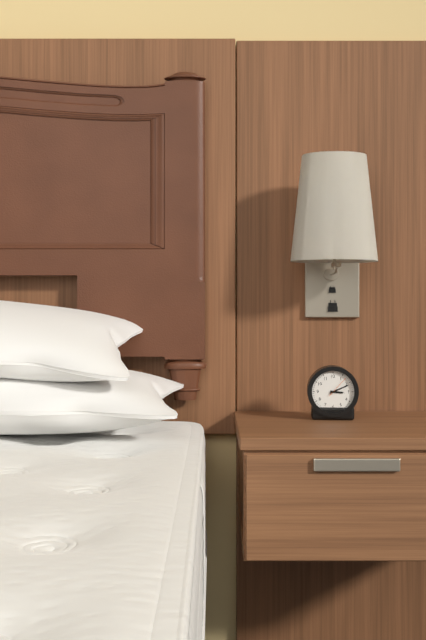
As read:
{"hour": 3, "minute": 11}
